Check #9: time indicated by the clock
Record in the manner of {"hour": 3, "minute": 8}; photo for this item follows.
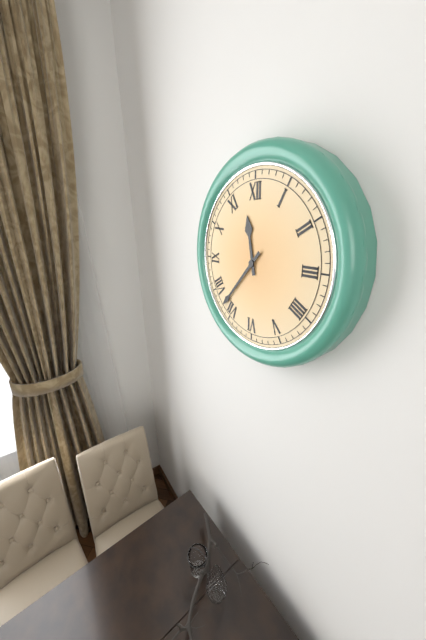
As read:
{"hour": 11, "minute": 37}
